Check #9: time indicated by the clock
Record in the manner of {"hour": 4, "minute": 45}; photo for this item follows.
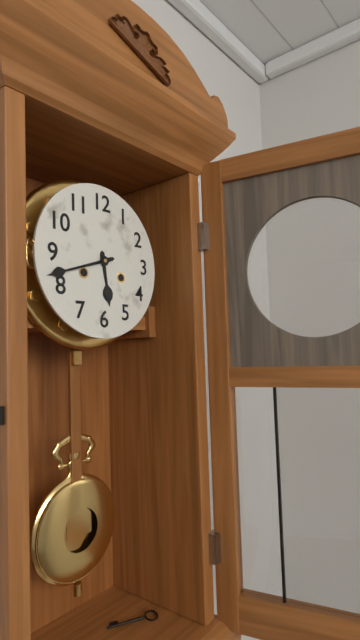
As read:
{"hour": 5, "minute": 42}
